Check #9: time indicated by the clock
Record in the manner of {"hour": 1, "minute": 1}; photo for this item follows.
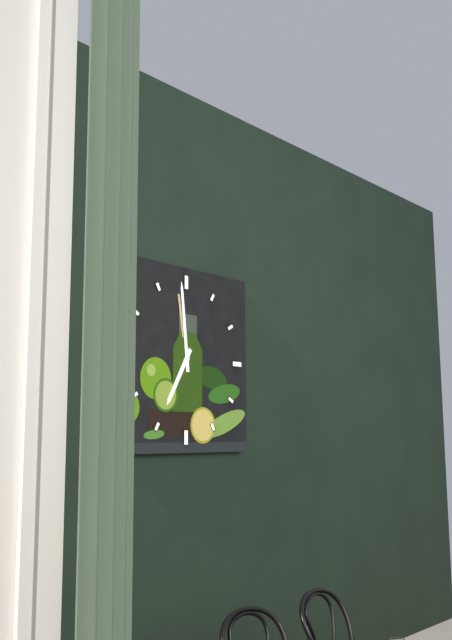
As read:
{"hour": 6, "minute": 59}
